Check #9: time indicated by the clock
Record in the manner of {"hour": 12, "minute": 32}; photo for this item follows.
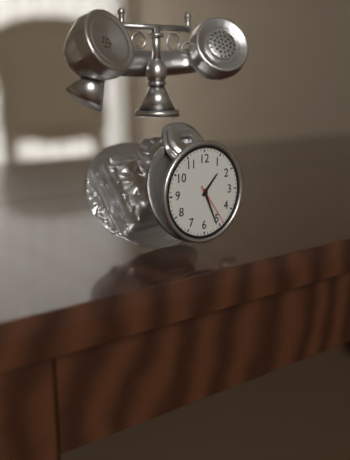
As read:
{"hour": 1, "minute": 26}
